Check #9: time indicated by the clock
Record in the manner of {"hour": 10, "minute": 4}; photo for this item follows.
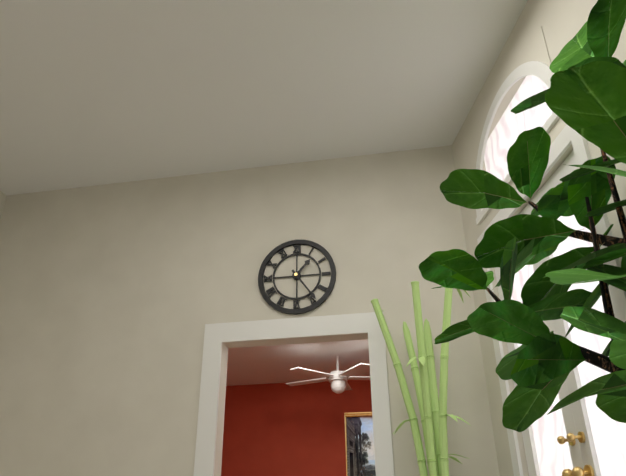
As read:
{"hour": 1, "minute": 24}
